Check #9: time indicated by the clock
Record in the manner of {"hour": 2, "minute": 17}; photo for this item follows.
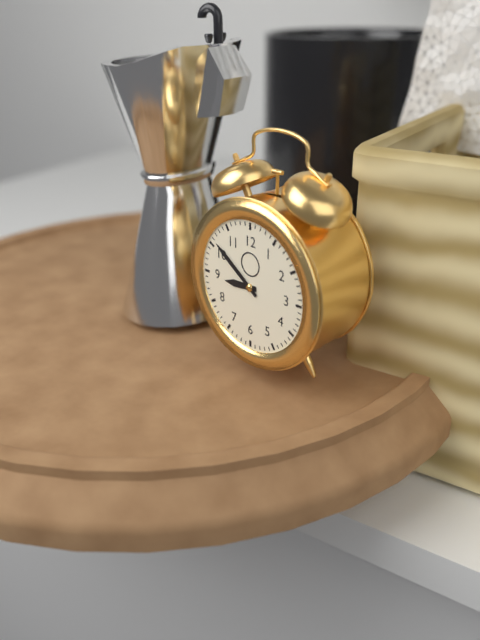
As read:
{"hour": 8, "minute": 51}
